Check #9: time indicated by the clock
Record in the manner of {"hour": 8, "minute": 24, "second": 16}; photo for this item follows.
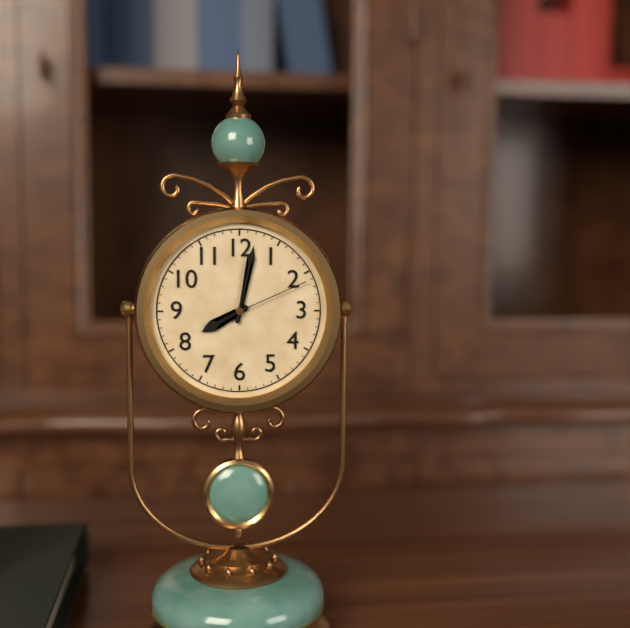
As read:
{"hour": 8, "minute": 2, "second": 11}
